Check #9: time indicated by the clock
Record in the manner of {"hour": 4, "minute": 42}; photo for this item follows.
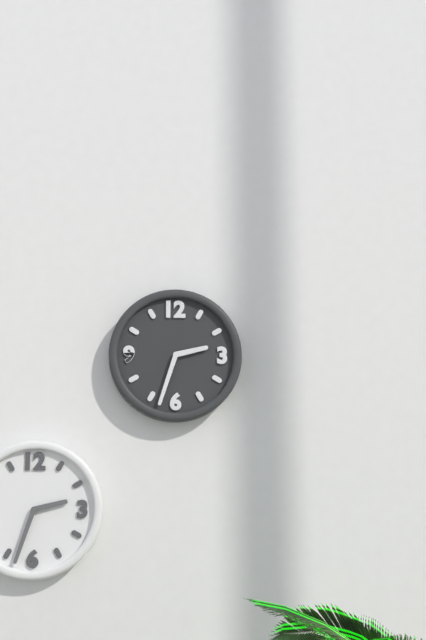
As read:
{"hour": 2, "minute": 33}
